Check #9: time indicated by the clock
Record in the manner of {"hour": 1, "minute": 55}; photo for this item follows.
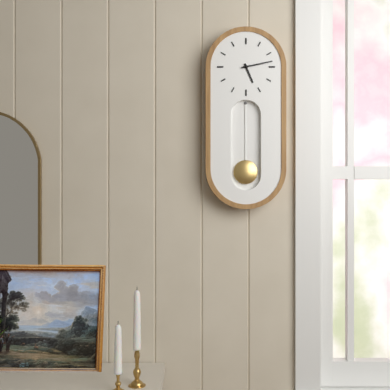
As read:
{"hour": 5, "minute": 13}
